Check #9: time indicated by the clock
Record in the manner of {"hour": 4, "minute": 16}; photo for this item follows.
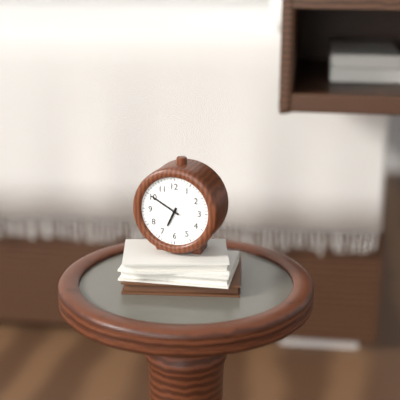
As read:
{"hour": 6, "minute": 50}
